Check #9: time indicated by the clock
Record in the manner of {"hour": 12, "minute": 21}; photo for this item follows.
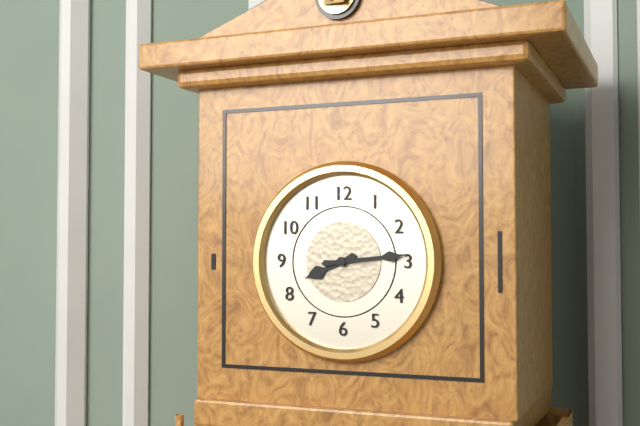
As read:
{"hour": 8, "minute": 14}
